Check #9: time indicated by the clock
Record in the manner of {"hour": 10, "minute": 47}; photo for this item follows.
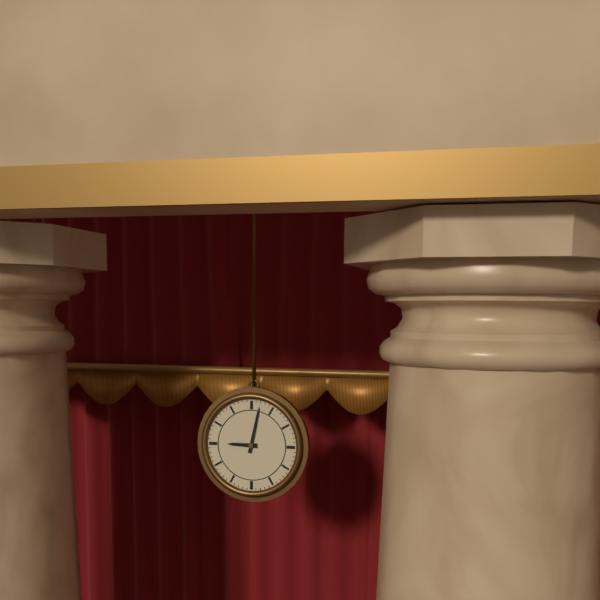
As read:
{"hour": 9, "minute": 2}
